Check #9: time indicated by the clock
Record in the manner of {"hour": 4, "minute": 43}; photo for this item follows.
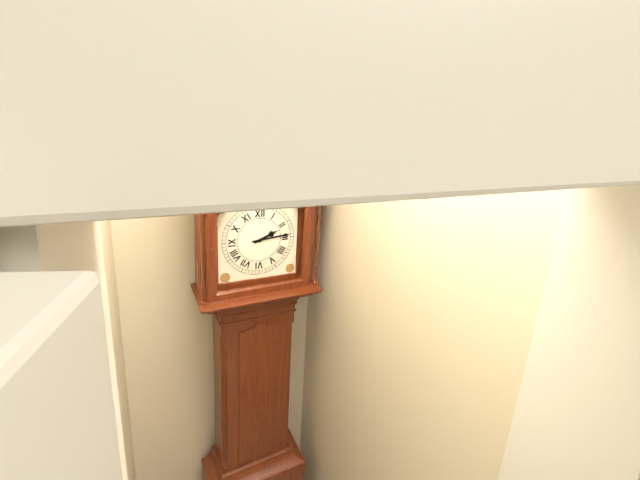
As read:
{"hour": 2, "minute": 14}
